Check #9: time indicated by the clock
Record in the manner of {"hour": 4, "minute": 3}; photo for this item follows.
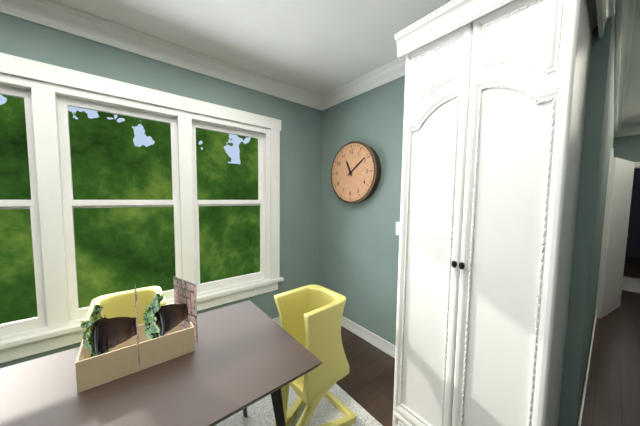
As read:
{"hour": 11, "minute": 9}
